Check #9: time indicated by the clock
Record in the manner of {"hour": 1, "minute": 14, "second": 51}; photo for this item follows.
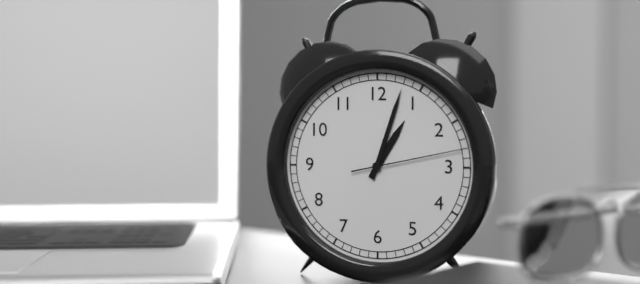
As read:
{"hour": 1, "minute": 3, "second": 13}
